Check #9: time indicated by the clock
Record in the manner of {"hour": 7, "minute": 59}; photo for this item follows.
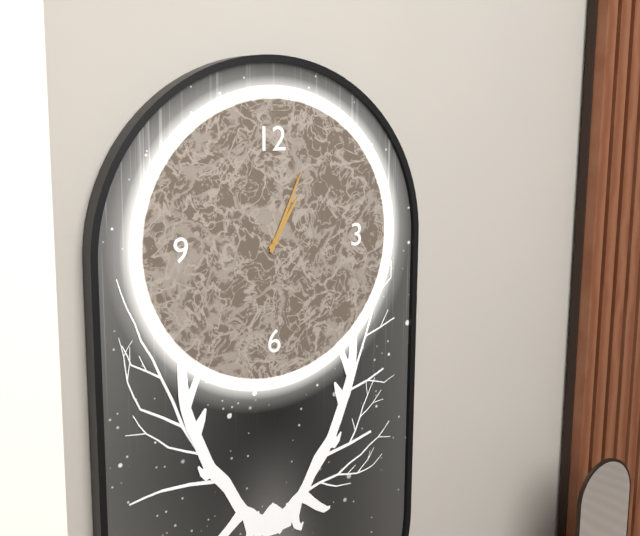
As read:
{"hour": 1, "minute": 4}
